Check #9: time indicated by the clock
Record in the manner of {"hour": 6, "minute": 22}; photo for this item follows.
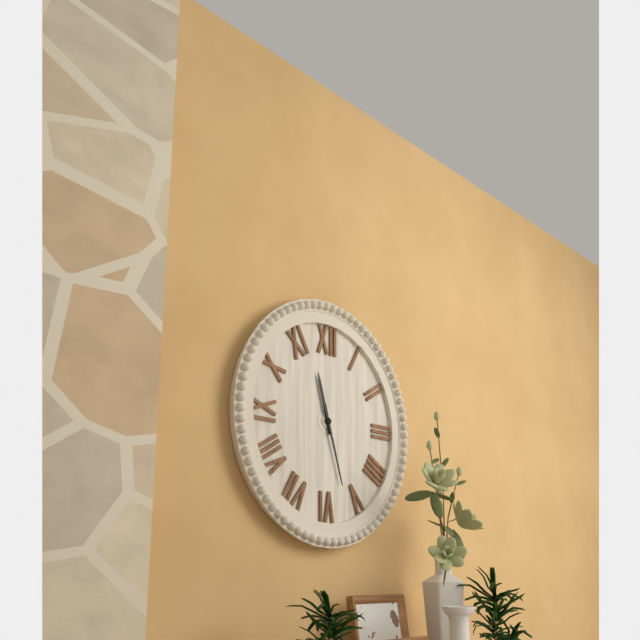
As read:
{"hour": 11, "minute": 27}
